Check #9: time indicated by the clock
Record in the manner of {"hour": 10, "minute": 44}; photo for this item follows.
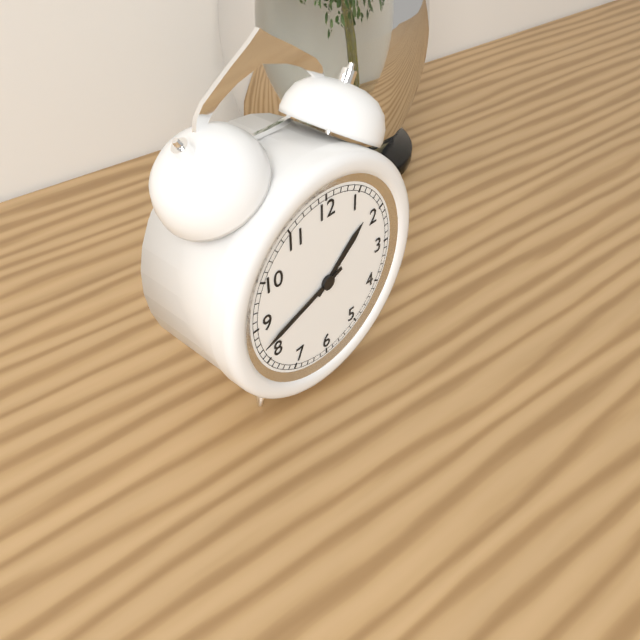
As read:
{"hour": 1, "minute": 42}
